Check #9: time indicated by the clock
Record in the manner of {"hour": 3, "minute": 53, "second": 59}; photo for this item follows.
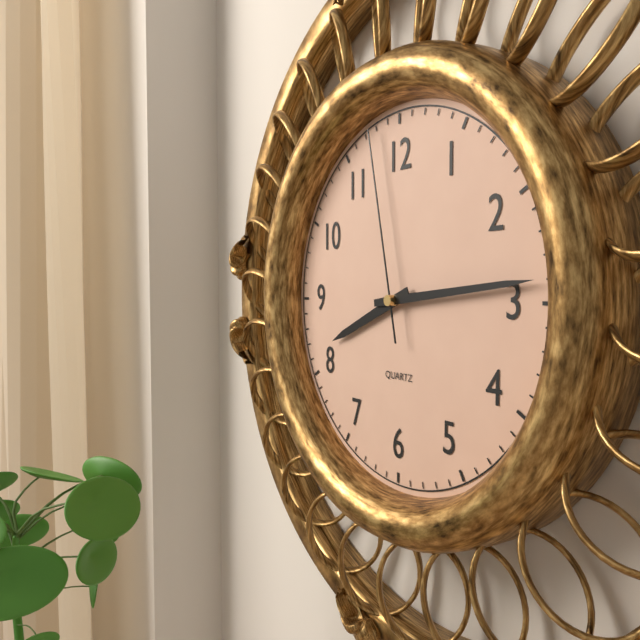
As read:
{"hour": 8, "minute": 14, "second": 58}
